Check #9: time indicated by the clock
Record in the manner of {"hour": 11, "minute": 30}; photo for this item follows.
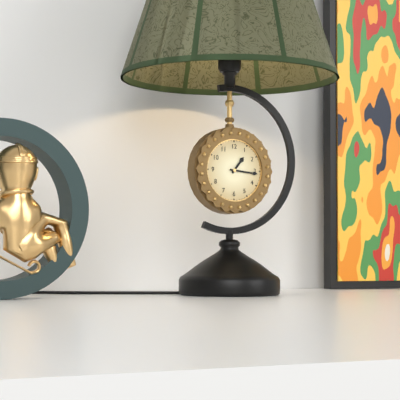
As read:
{"hour": 1, "minute": 16}
